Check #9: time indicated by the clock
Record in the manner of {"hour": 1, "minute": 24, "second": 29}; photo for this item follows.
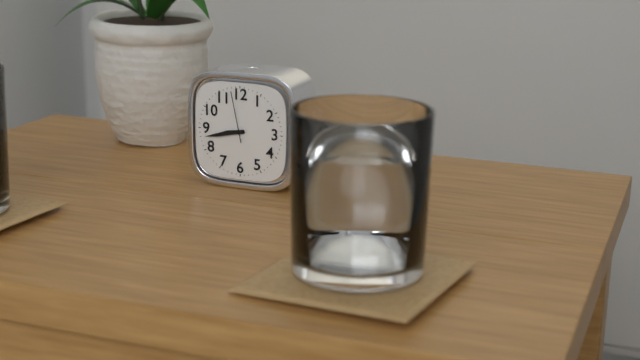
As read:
{"hour": 8, "minute": 43, "second": 58}
